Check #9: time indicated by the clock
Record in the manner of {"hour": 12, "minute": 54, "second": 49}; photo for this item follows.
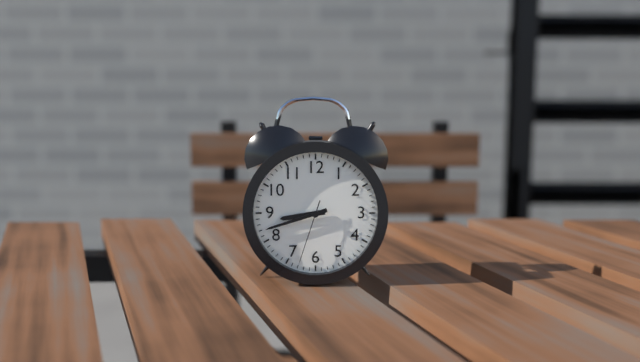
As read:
{"hour": 8, "minute": 42, "second": 33}
